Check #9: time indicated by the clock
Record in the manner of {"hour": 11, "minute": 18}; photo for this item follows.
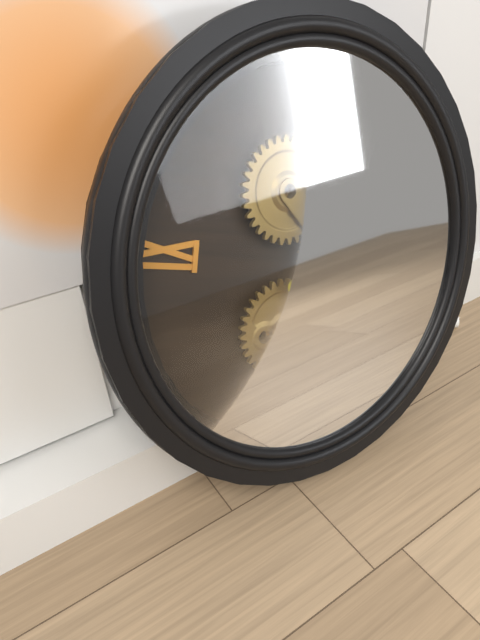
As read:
{"hour": 1, "minute": 34}
